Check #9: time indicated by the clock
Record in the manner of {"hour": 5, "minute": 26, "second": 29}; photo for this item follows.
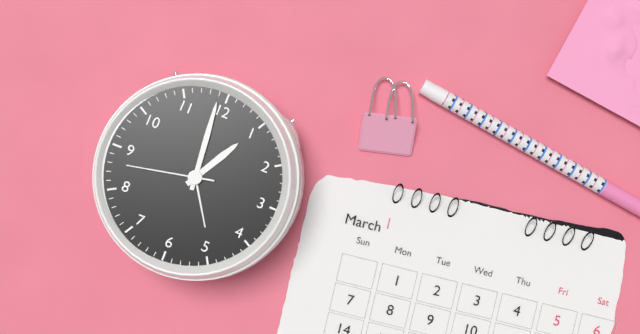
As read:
{"hour": 12, "minute": 59, "second": 43}
